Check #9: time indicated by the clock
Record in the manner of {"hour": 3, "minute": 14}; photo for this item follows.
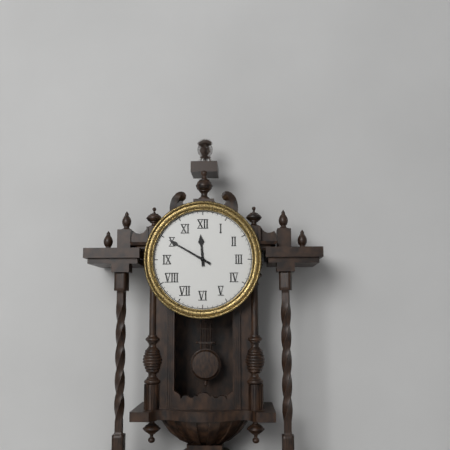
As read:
{"hour": 11, "minute": 50}
